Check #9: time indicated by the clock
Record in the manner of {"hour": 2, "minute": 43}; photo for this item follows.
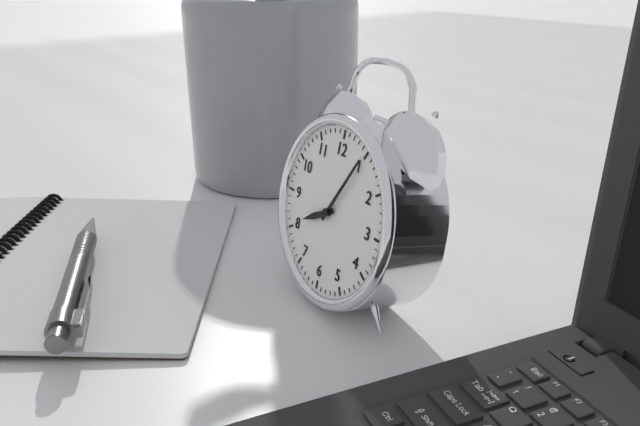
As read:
{"hour": 8, "minute": 5}
